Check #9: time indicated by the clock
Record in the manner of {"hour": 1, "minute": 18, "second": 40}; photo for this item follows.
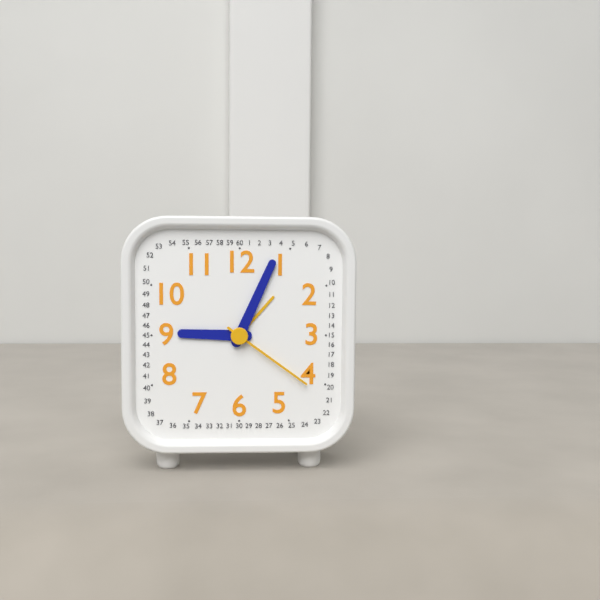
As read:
{"hour": 9, "minute": 4, "second": 21}
